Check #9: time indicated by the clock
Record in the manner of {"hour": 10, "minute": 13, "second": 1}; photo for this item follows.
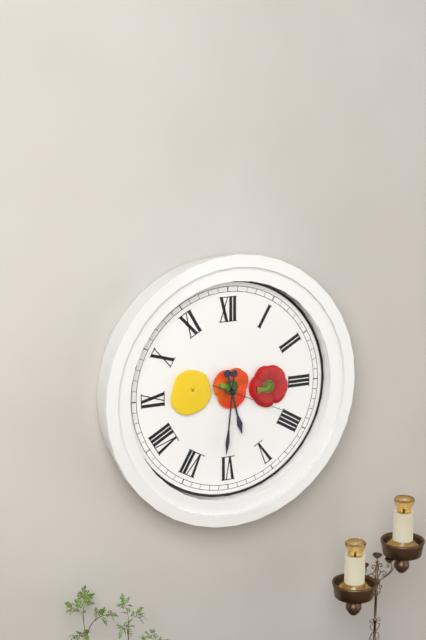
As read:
{"hour": 5, "minute": 31, "second": 19}
